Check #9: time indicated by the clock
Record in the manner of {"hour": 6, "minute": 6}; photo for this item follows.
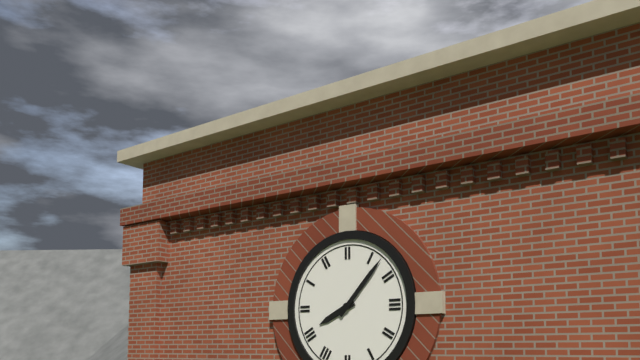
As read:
{"hour": 8, "minute": 7}
